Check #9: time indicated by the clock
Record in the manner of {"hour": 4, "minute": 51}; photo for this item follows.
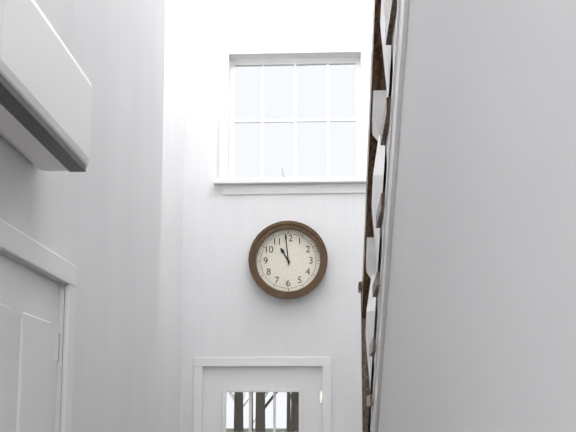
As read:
{"hour": 10, "minute": 59}
